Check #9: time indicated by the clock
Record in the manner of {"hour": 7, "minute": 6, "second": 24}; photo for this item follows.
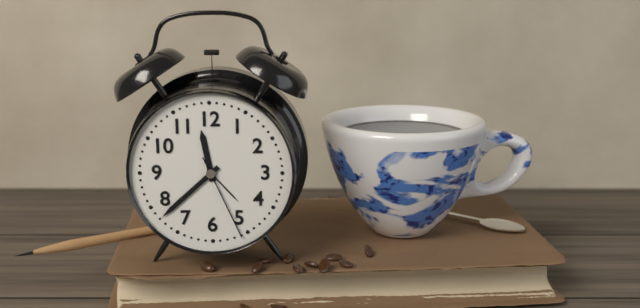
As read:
{"hour": 11, "minute": 38, "second": 26}
